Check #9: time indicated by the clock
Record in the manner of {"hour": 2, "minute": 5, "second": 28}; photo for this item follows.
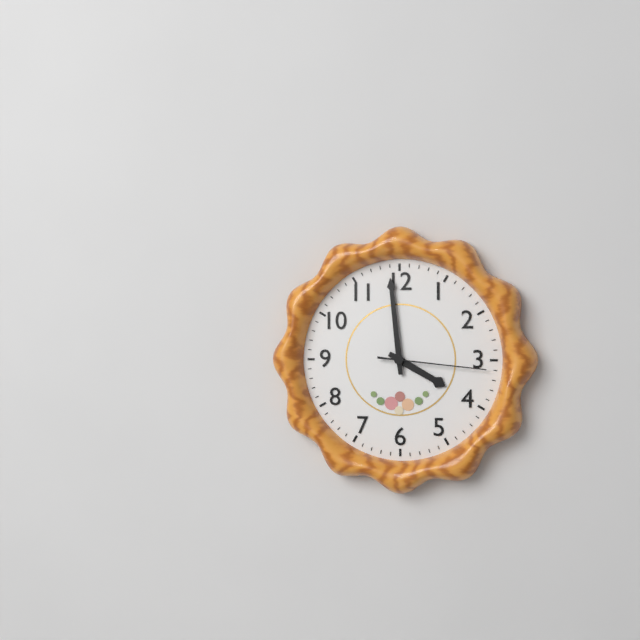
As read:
{"hour": 3, "minute": 59, "second": 16}
